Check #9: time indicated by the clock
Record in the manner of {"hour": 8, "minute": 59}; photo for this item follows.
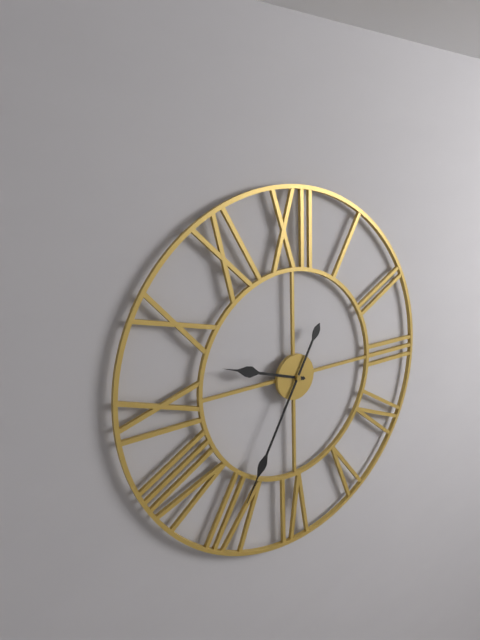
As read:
{"hour": 9, "minute": 35}
